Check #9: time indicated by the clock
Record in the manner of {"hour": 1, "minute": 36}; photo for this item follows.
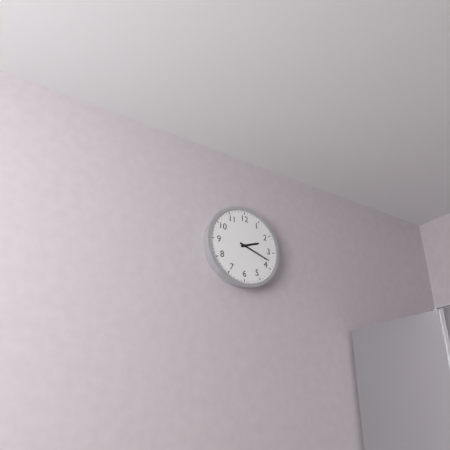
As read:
{"hour": 2, "minute": 18}
